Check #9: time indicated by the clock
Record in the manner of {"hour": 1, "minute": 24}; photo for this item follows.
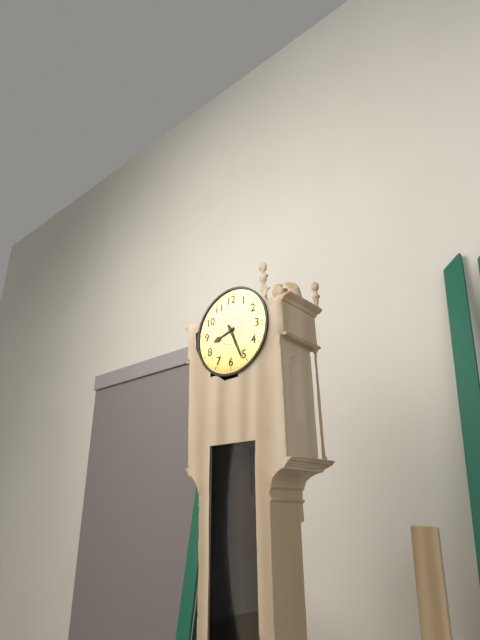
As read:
{"hour": 8, "minute": 26}
